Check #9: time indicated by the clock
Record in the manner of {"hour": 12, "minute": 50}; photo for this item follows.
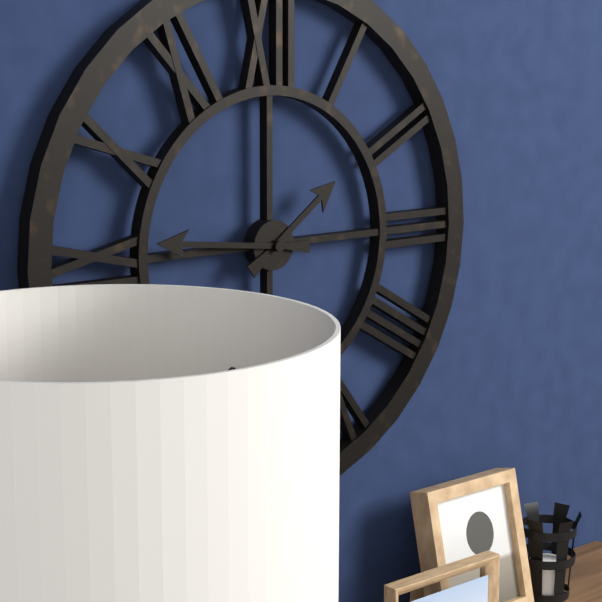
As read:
{"hour": 1, "minute": 46}
